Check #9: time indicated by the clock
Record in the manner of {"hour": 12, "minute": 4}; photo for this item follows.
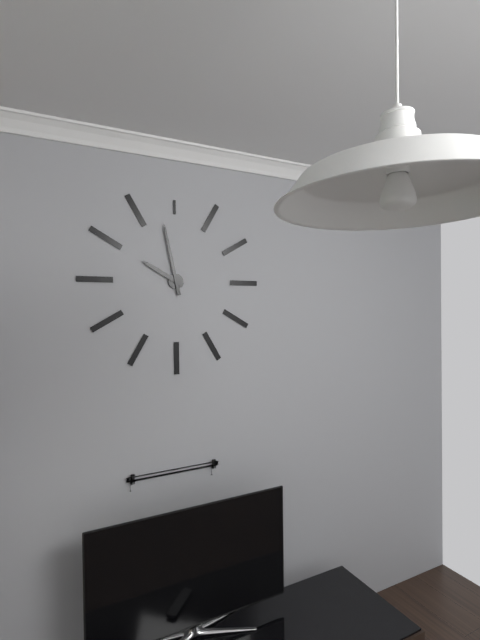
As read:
{"hour": 9, "minute": 58}
